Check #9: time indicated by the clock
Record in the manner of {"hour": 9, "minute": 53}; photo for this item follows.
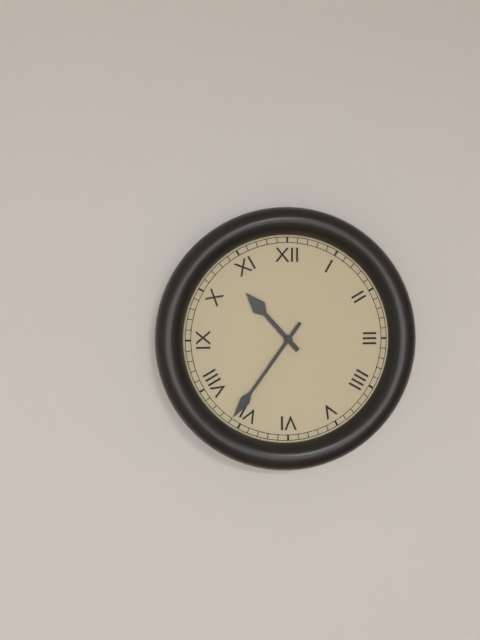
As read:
{"hour": 10, "minute": 36}
